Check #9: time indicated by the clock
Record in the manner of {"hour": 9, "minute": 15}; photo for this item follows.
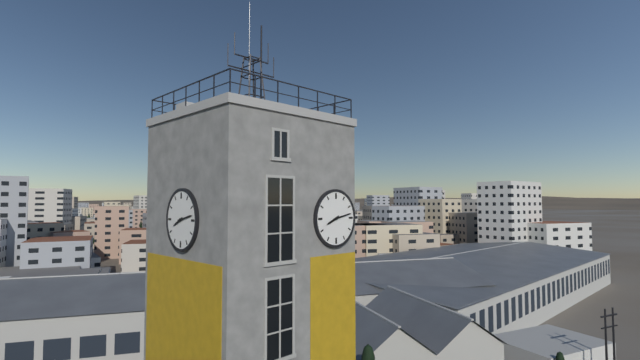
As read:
{"hour": 8, "minute": 13}
